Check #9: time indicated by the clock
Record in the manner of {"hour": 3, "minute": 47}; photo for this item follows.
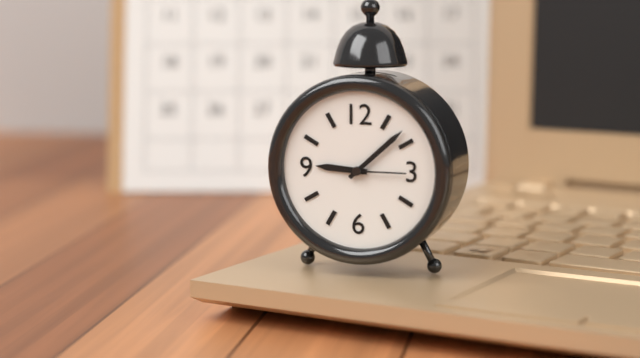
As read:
{"hour": 9, "minute": 8}
